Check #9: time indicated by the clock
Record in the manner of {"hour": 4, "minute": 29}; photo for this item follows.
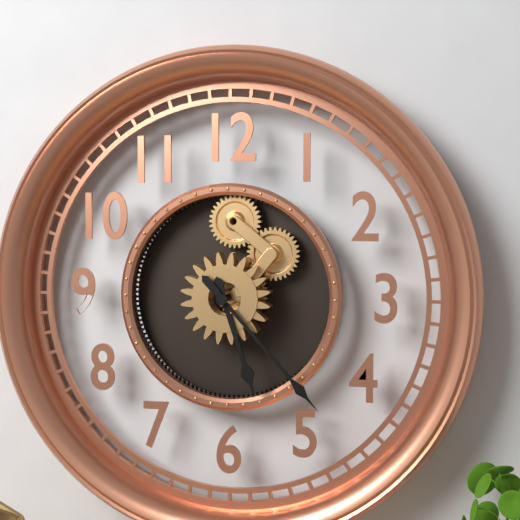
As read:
{"hour": 5, "minute": 23}
